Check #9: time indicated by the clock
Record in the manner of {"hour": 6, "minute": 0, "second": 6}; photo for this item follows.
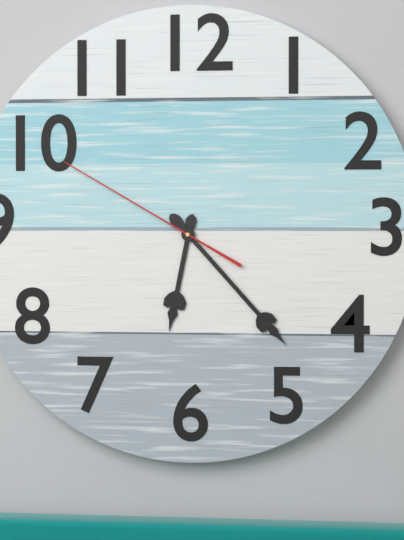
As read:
{"hour": 6, "minute": 23, "second": 50}
